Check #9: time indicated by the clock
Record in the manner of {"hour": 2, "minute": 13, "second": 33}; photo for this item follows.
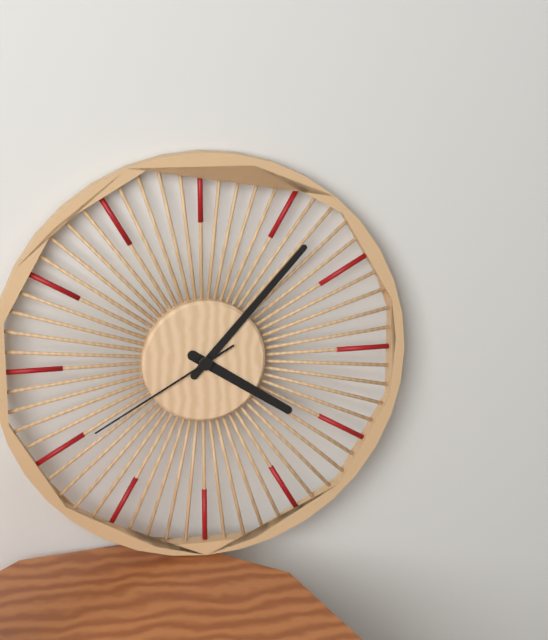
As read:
{"hour": 4, "minute": 7, "second": 40}
